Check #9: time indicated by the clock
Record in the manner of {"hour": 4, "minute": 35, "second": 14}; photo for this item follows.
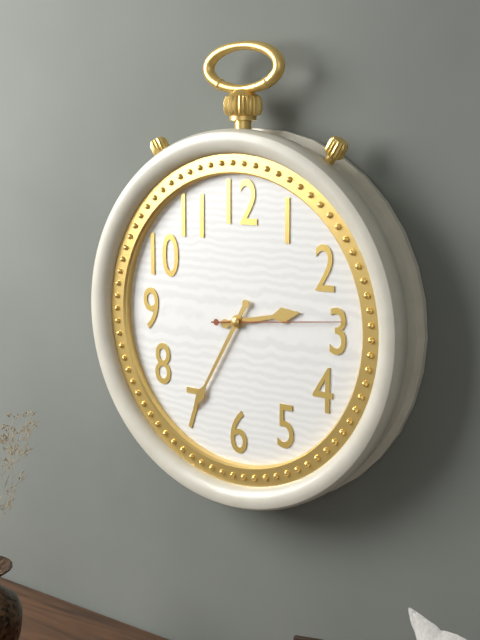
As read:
{"hour": 2, "minute": 35, "second": 14}
